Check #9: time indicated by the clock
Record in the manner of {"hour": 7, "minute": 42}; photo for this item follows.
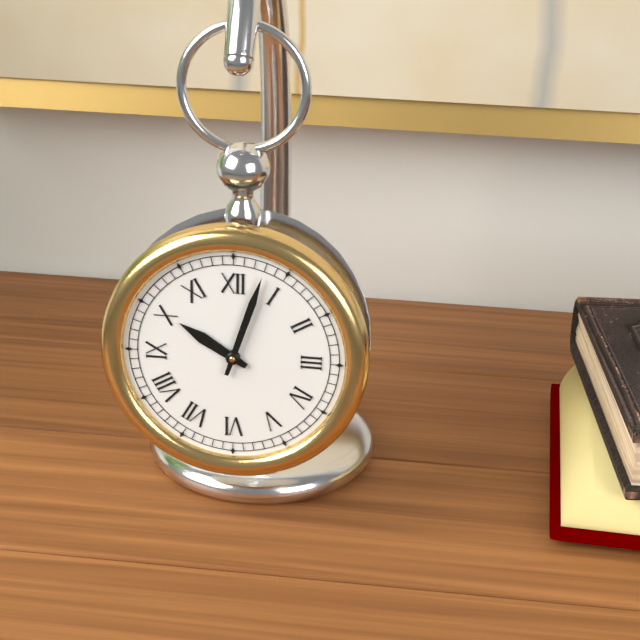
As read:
{"hour": 10, "minute": 3}
